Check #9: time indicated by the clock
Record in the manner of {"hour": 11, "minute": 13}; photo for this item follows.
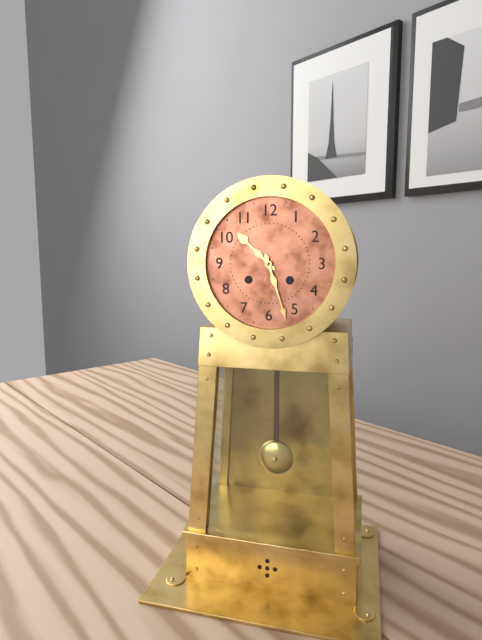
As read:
{"hour": 10, "minute": 27}
